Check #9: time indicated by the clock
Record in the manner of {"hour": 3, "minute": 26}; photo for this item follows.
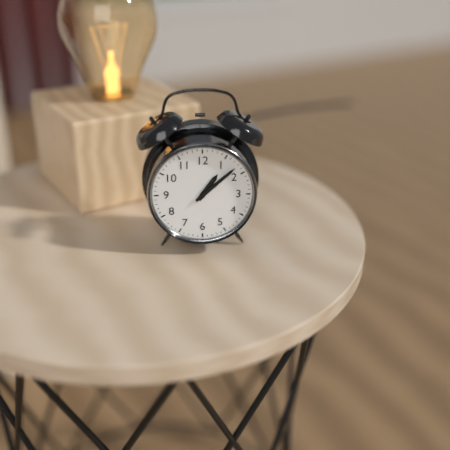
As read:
{"hour": 1, "minute": 8}
